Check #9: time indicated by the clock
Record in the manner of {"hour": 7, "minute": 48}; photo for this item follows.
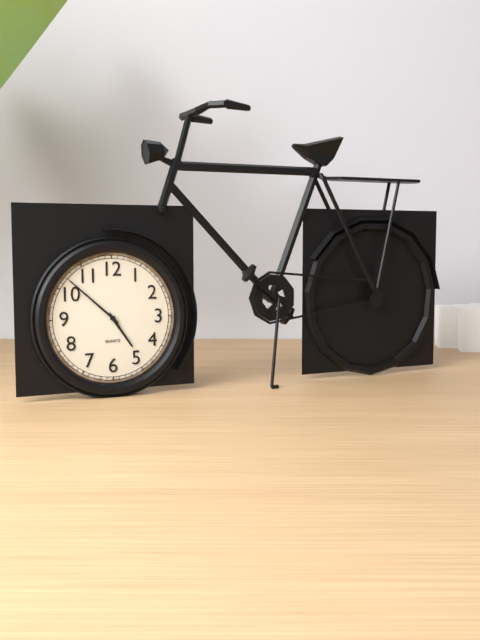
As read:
{"hour": 4, "minute": 52}
